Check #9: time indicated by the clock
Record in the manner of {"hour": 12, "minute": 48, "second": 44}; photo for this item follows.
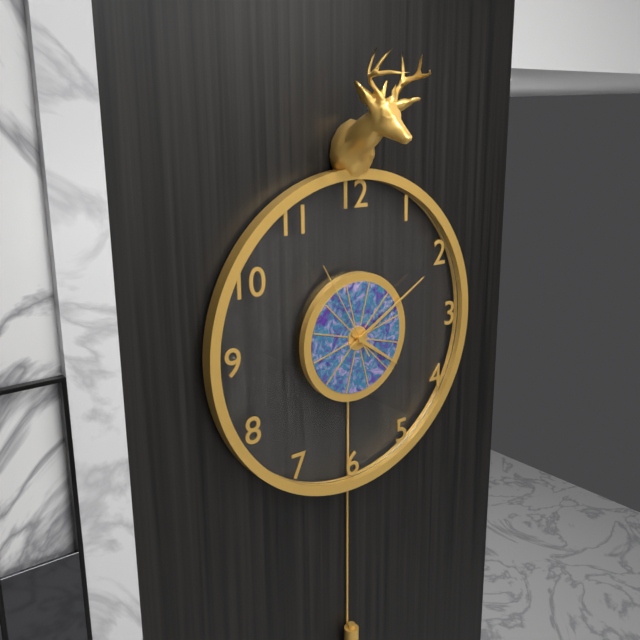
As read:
{"hour": 4, "minute": 10, "second": 55}
